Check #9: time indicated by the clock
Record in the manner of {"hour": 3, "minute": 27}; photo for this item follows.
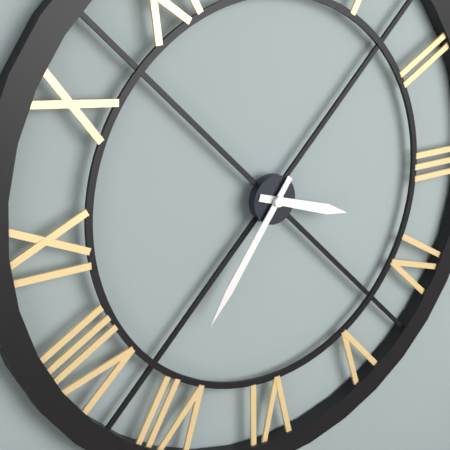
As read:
{"hour": 3, "minute": 36}
